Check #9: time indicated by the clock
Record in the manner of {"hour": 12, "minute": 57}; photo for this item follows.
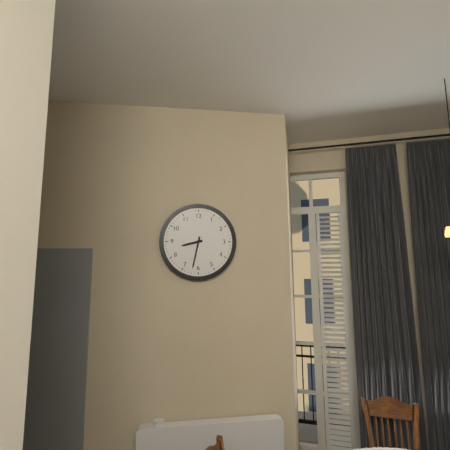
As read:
{"hour": 8, "minute": 32}
